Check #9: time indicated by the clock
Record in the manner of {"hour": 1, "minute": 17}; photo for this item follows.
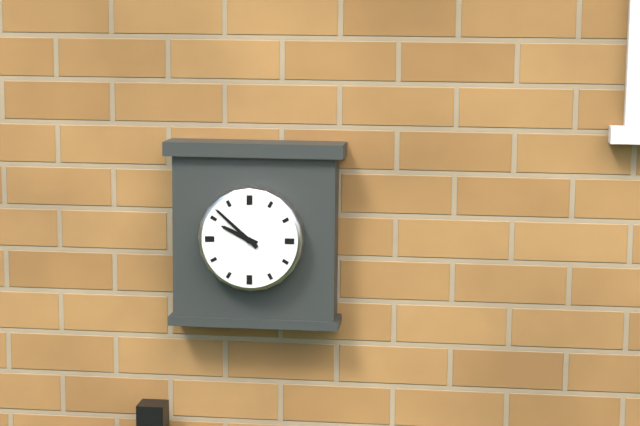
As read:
{"hour": 9, "minute": 52}
